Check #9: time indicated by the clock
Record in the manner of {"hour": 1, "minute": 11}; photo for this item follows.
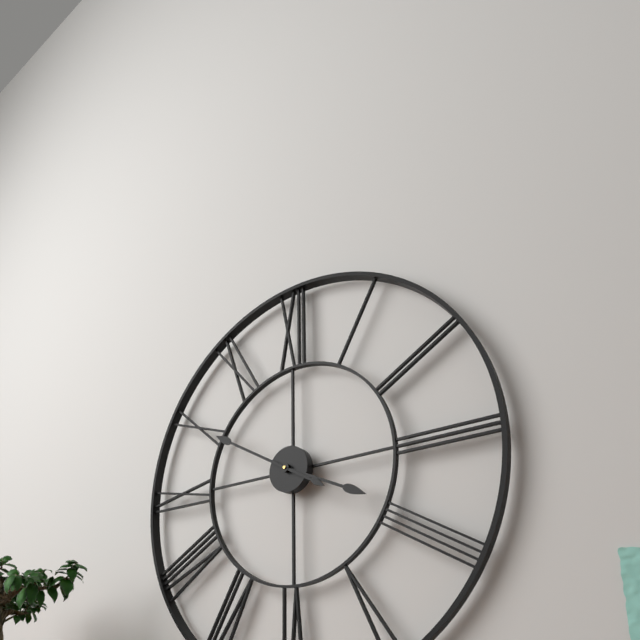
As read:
{"hour": 3, "minute": 50}
